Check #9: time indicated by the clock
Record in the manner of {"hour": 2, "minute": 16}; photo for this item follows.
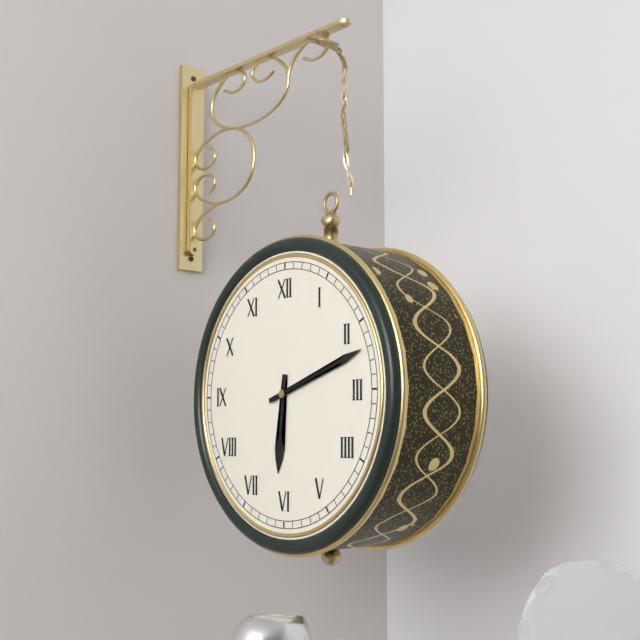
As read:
{"hour": 6, "minute": 12}
